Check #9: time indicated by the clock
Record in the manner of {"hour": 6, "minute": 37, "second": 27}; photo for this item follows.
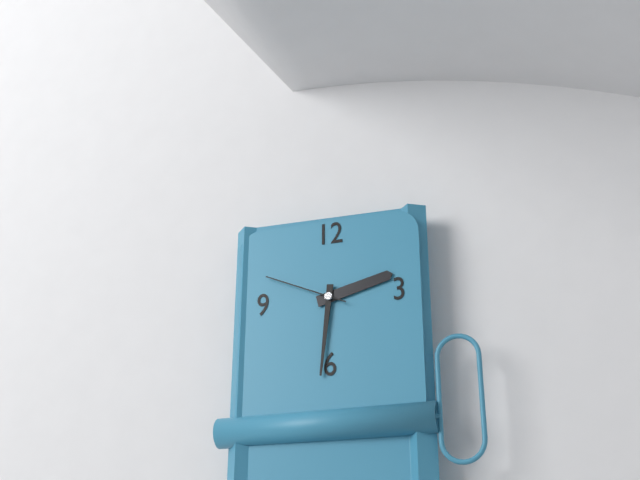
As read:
{"hour": 2, "minute": 31, "second": 49}
